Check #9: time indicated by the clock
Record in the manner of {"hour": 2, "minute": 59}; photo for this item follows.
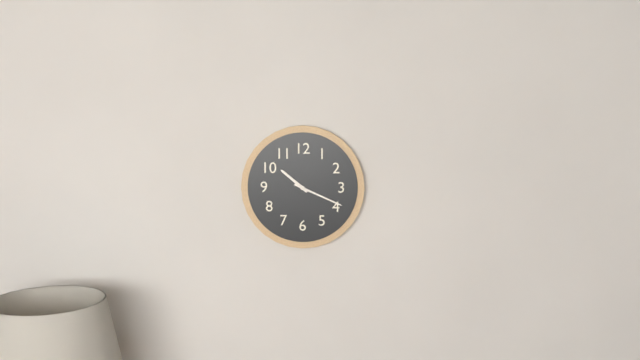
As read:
{"hour": 10, "minute": 19}
